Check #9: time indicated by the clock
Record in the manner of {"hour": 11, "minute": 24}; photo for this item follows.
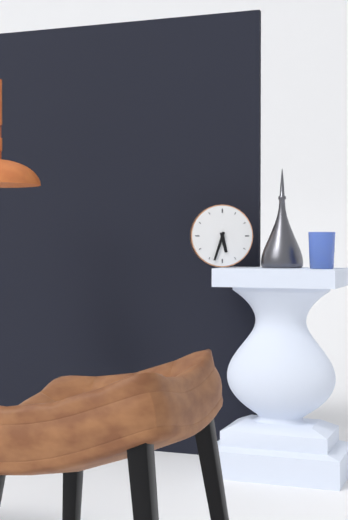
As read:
{"hour": 5, "minute": 33}
